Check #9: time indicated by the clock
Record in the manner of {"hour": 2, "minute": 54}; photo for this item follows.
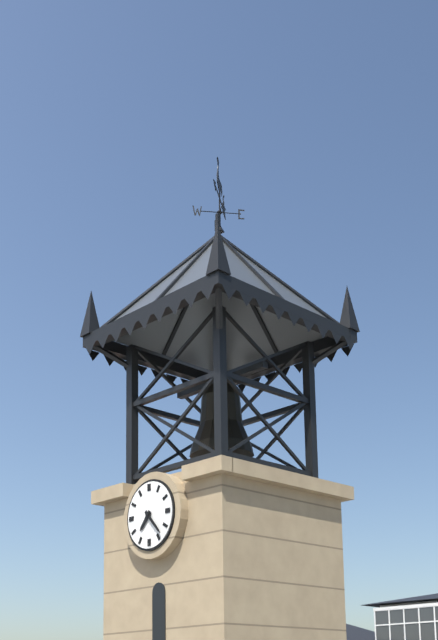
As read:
{"hour": 7, "minute": 23}
